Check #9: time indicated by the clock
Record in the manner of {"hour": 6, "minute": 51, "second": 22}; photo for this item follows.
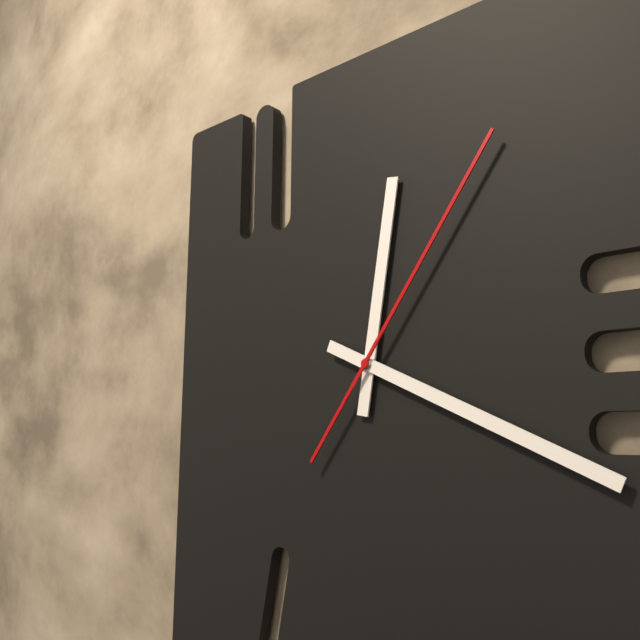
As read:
{"hour": 12, "minute": 19, "second": 6}
